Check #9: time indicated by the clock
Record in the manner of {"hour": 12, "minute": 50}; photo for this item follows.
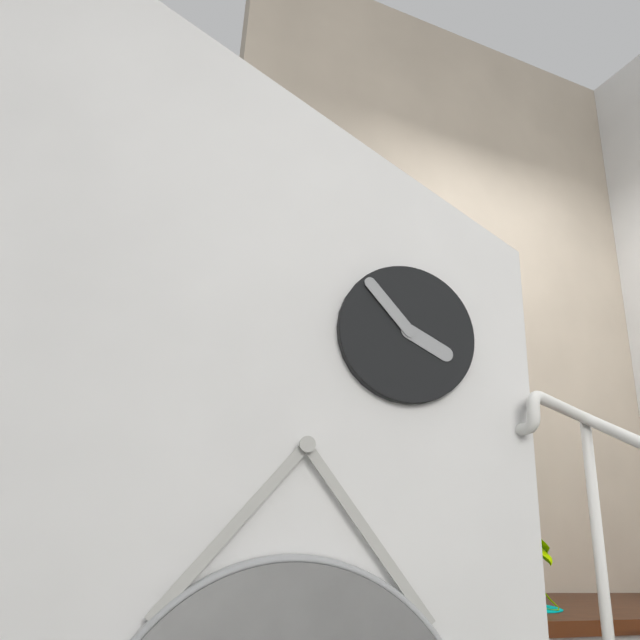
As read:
{"hour": 3, "minute": 53}
